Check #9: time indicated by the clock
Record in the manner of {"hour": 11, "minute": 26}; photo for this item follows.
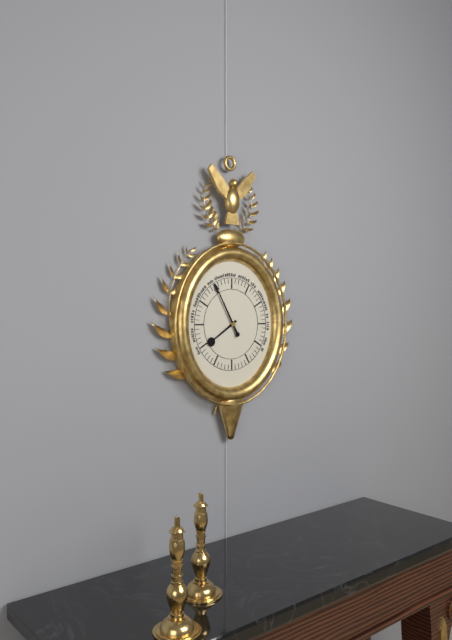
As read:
{"hour": 7, "minute": 55}
